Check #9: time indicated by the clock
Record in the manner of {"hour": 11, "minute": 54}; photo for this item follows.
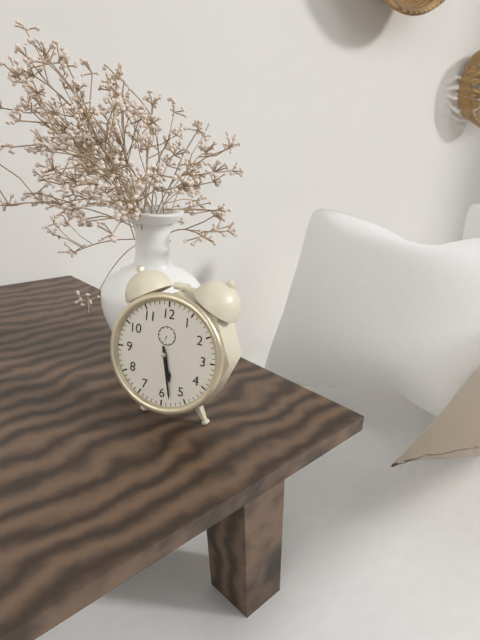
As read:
{"hour": 5, "minute": 28}
